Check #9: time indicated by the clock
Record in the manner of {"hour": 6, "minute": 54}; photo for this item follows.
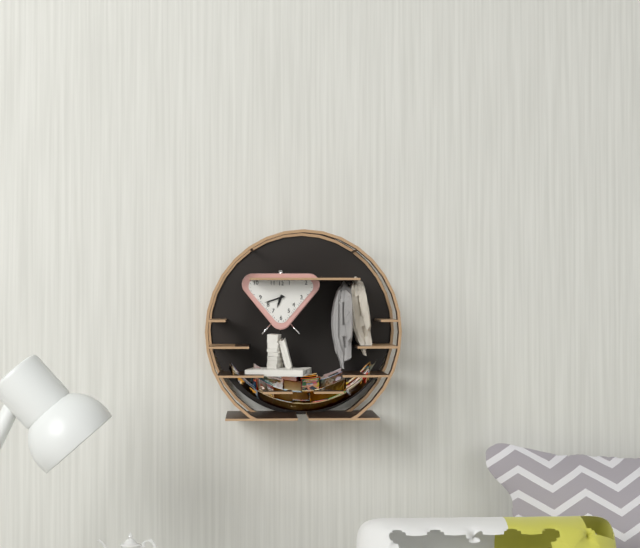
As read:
{"hour": 6, "minute": 42}
